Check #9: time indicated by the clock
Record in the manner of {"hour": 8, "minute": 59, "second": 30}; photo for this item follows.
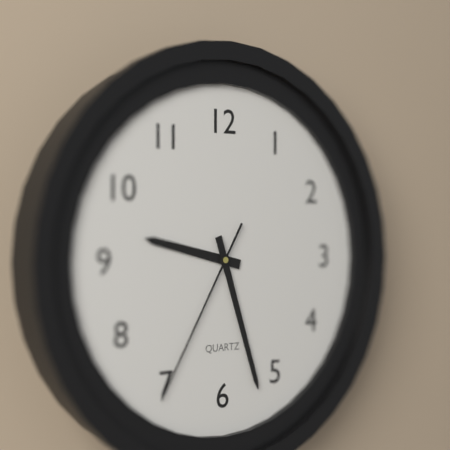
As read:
{"hour": 9, "minute": 27, "second": 35}
